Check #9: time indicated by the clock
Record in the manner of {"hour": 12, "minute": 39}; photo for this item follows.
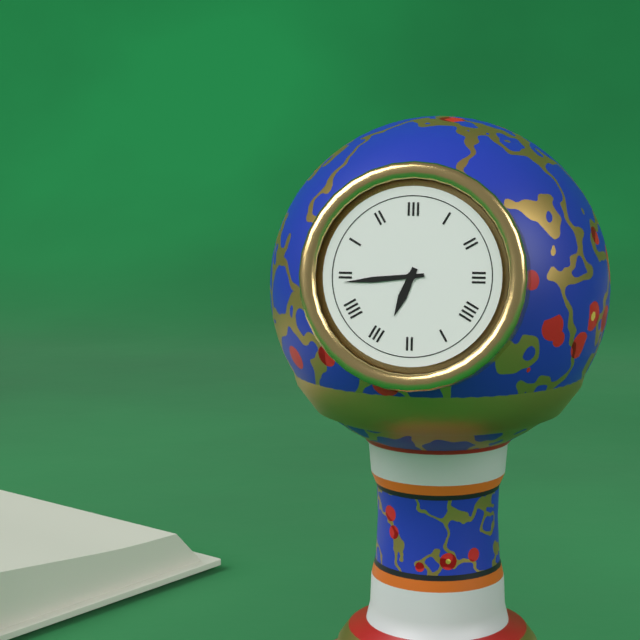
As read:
{"hour": 6, "minute": 44}
